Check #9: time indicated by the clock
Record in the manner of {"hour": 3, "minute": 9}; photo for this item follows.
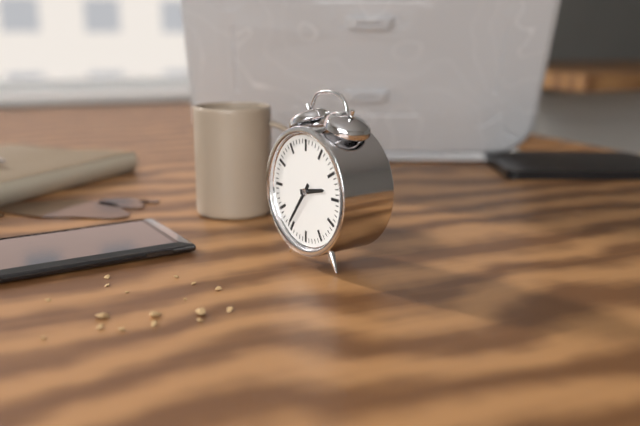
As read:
{"hour": 2, "minute": 36}
